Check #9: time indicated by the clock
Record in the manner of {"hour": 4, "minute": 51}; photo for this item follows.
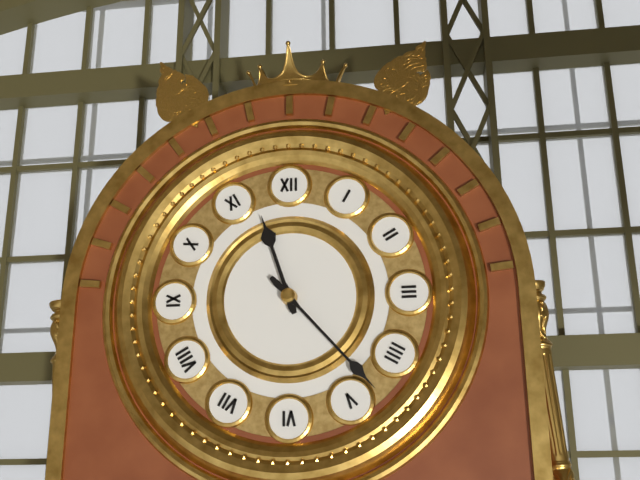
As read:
{"hour": 11, "minute": 23}
